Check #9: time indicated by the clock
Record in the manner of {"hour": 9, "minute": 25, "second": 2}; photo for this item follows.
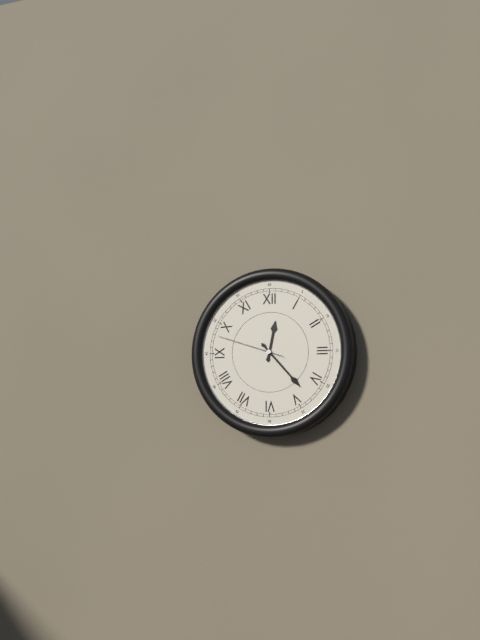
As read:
{"hour": 12, "minute": 23, "second": 48}
